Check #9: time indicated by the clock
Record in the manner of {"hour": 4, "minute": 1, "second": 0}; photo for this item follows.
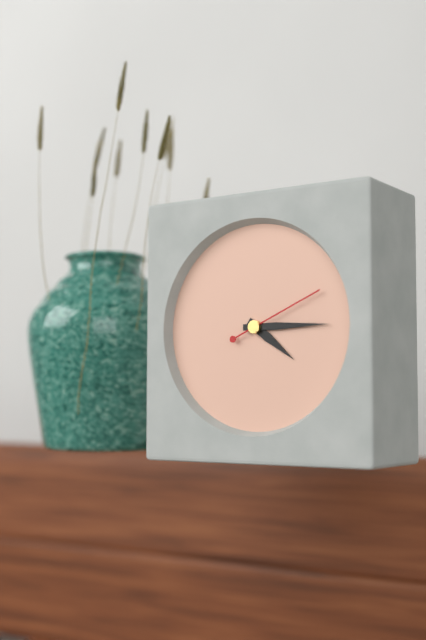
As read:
{"hour": 4, "minute": 15, "second": 11}
